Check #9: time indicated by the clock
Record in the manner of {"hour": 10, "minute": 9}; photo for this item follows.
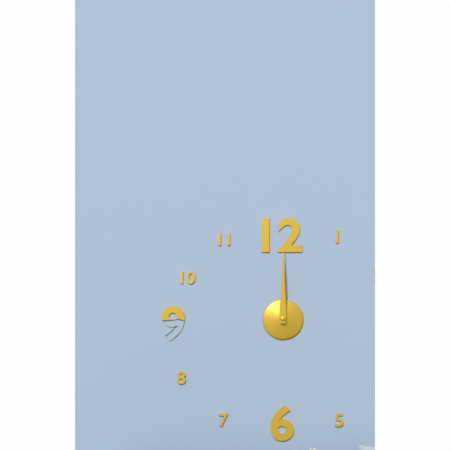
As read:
{"hour": 12, "minute": 0}
